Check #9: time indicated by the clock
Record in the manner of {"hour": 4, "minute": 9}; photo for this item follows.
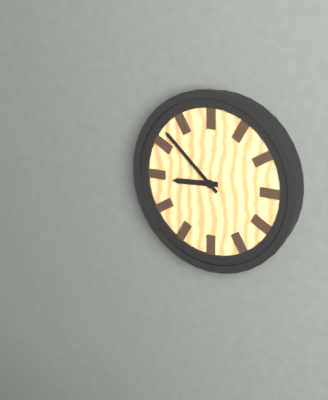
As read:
{"hour": 8, "minute": 52}
